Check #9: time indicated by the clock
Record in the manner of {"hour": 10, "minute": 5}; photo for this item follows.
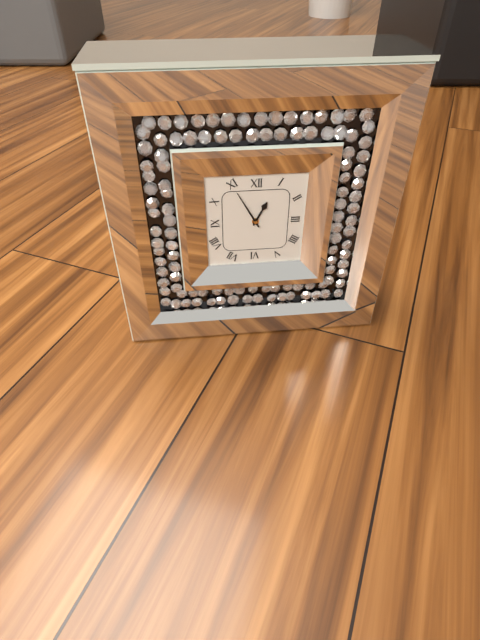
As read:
{"hour": 12, "minute": 55}
